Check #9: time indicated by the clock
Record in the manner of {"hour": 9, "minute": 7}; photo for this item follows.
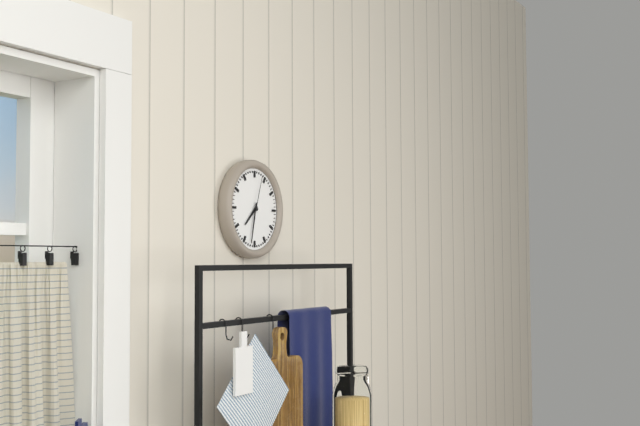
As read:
{"hour": 7, "minute": 32}
